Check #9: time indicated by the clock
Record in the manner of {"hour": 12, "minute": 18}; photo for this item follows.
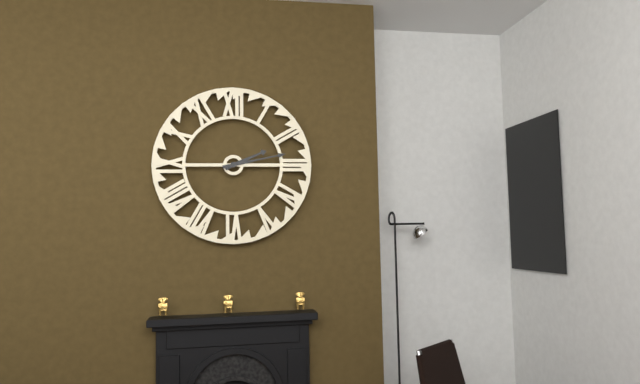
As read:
{"hour": 2, "minute": 13}
